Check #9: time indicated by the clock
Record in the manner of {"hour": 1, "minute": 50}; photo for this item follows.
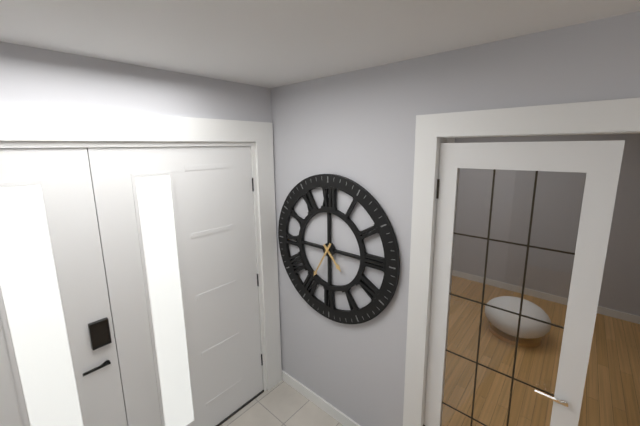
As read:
{"hour": 4, "minute": 35}
